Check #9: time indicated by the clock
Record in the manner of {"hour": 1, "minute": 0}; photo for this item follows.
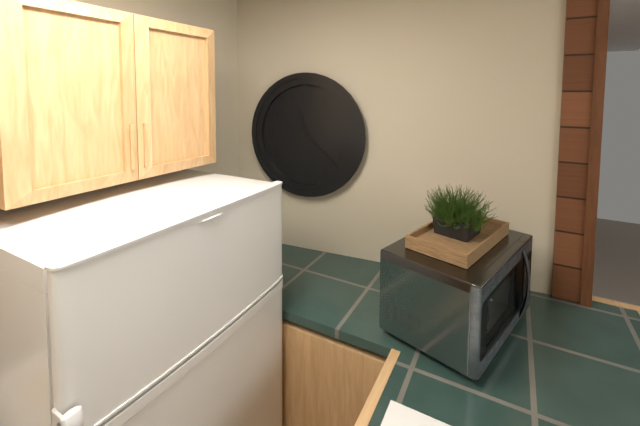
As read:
{"hour": 11, "minute": 22}
